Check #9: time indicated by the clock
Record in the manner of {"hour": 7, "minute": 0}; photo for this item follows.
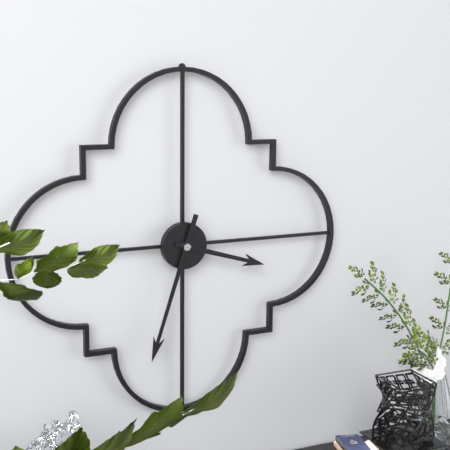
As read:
{"hour": 3, "minute": 33}
